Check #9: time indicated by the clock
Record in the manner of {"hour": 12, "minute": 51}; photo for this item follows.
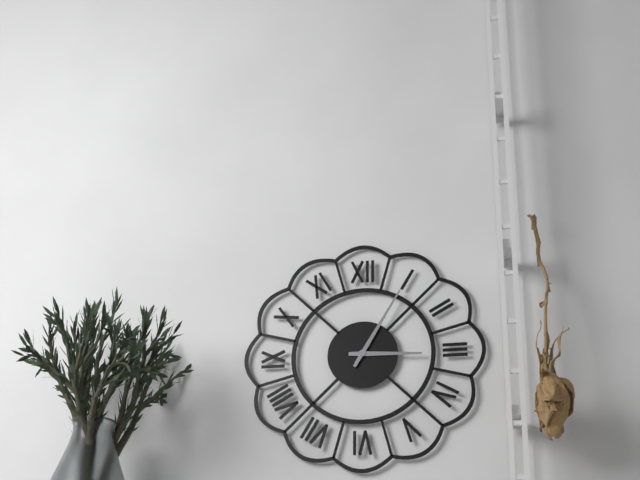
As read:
{"hour": 3, "minute": 5}
